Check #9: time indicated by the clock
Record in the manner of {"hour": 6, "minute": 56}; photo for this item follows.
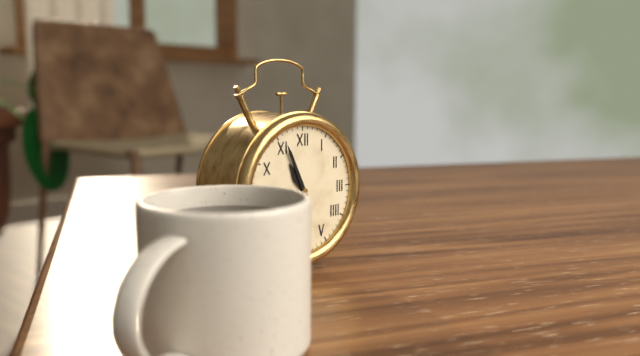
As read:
{"hour": 10, "minute": 56}
